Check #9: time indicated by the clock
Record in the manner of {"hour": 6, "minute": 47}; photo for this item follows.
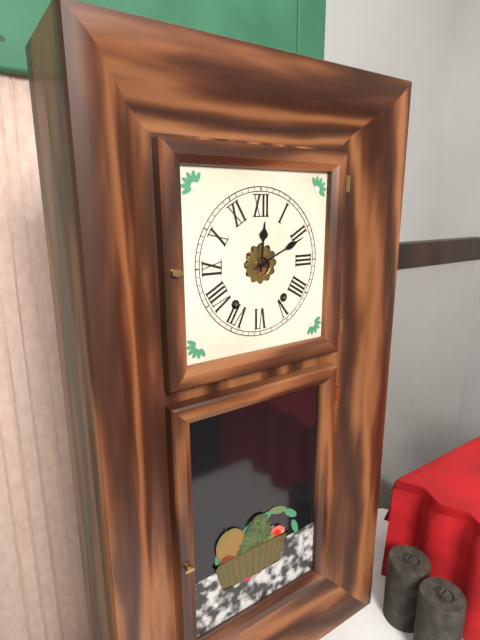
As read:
{"hour": 12, "minute": 11}
